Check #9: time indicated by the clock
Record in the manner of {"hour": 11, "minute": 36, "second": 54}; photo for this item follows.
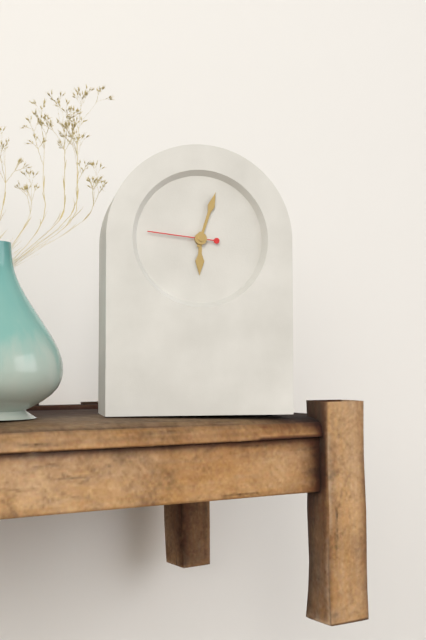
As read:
{"hour": 6, "minute": 3, "second": 46}
